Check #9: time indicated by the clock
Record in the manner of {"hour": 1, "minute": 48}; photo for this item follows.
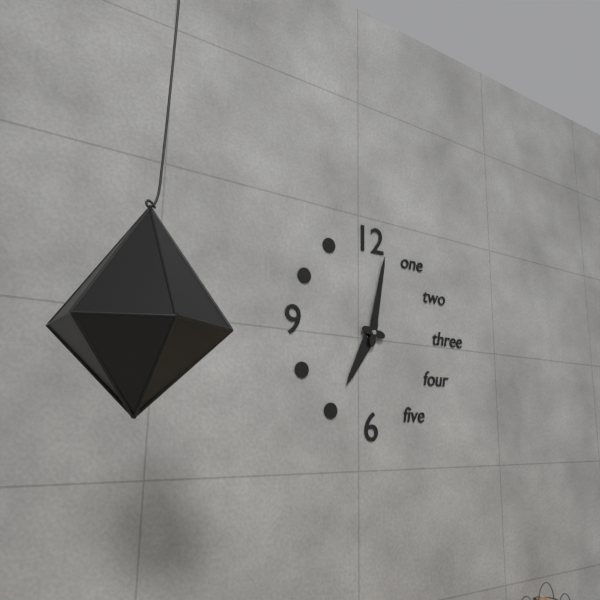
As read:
{"hour": 7, "minute": 2}
